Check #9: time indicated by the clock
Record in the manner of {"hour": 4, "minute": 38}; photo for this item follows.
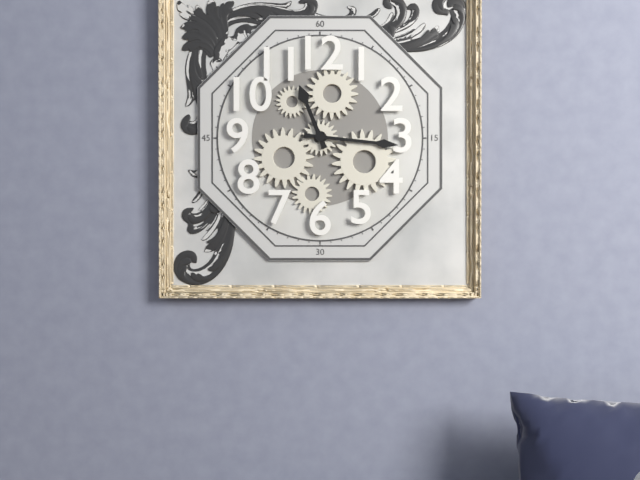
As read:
{"hour": 11, "minute": 16}
